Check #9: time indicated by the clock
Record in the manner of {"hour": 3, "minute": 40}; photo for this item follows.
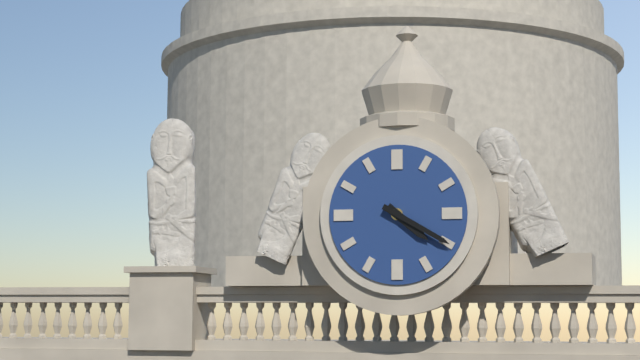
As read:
{"hour": 4, "minute": 20}
